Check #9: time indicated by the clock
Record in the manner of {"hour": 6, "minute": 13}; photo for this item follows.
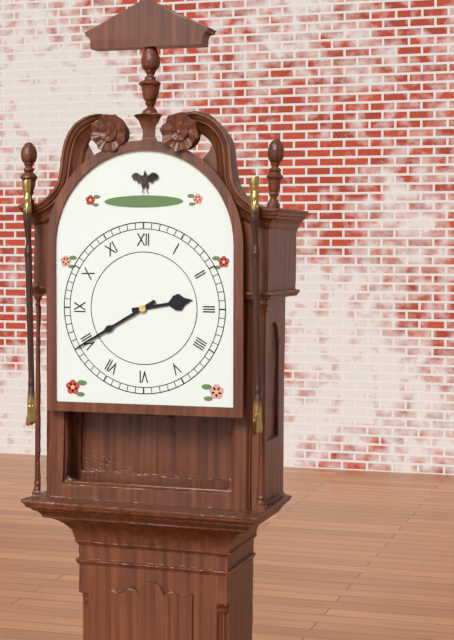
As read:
{"hour": 2, "minute": 40}
